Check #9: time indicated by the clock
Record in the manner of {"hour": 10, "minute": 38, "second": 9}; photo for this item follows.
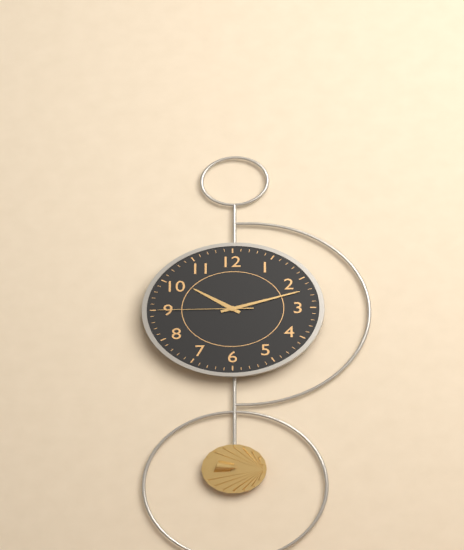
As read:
{"hour": 10, "minute": 12, "second": 45}
